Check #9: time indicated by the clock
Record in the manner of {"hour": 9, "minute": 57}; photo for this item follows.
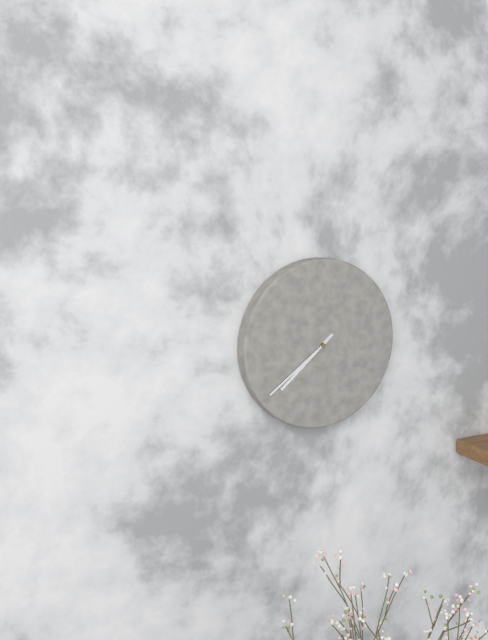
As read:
{"hour": 7, "minute": 39}
